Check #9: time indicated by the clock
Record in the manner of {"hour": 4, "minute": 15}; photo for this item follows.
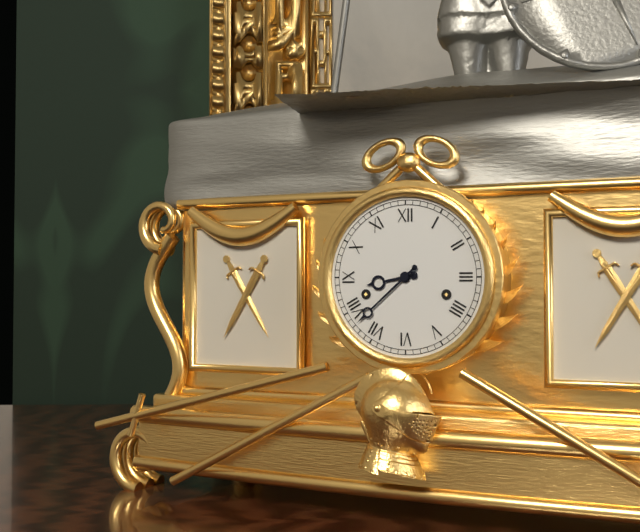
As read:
{"hour": 8, "minute": 38}
